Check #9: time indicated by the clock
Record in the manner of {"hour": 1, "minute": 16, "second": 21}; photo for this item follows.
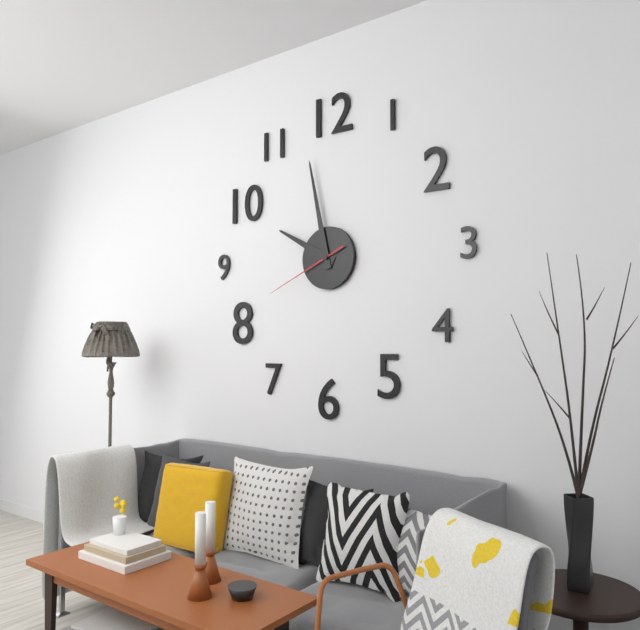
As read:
{"hour": 9, "minute": 58, "second": 41}
